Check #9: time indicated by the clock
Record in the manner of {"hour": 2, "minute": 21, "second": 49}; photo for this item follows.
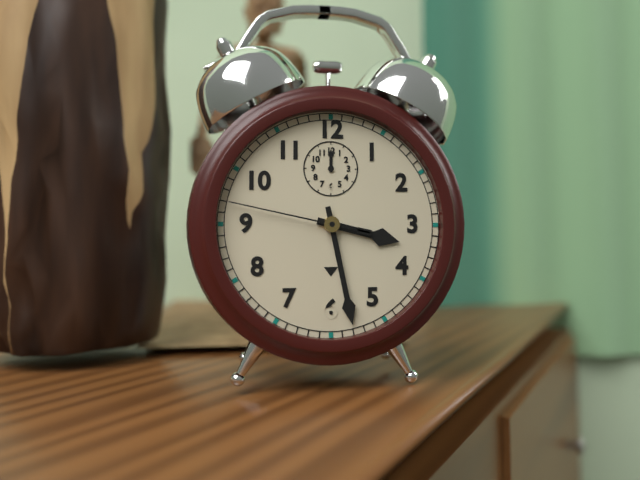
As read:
{"hour": 3, "minute": 28, "second": 47}
